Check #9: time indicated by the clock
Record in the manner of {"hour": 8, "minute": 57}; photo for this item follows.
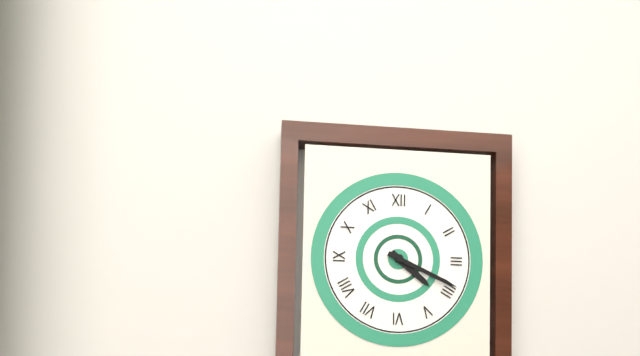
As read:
{"hour": 4, "minute": 19}
